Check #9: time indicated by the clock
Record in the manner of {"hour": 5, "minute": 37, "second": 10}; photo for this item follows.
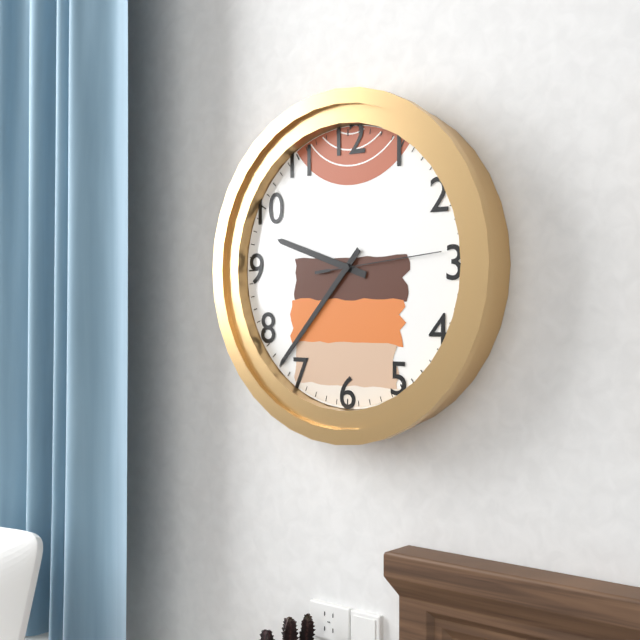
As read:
{"hour": 9, "minute": 37, "second": 14}
